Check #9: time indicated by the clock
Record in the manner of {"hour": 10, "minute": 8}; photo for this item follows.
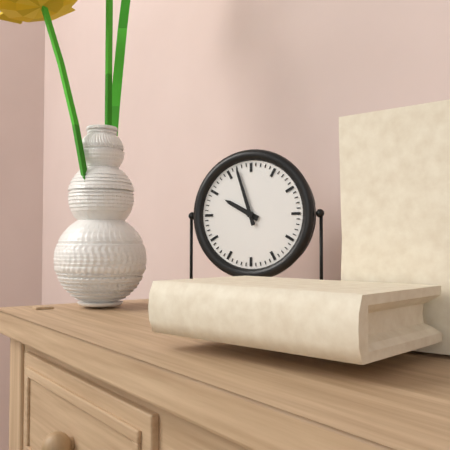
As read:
{"hour": 9, "minute": 57}
